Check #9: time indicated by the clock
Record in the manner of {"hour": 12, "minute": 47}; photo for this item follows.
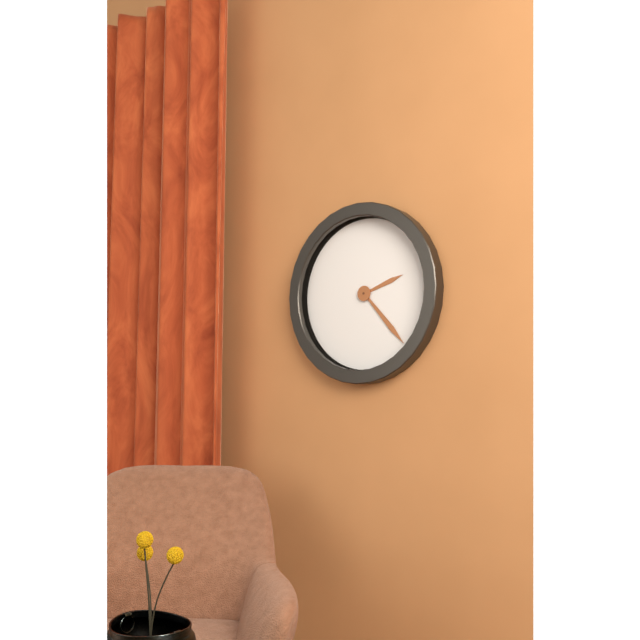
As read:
{"hour": 2, "minute": 23}
